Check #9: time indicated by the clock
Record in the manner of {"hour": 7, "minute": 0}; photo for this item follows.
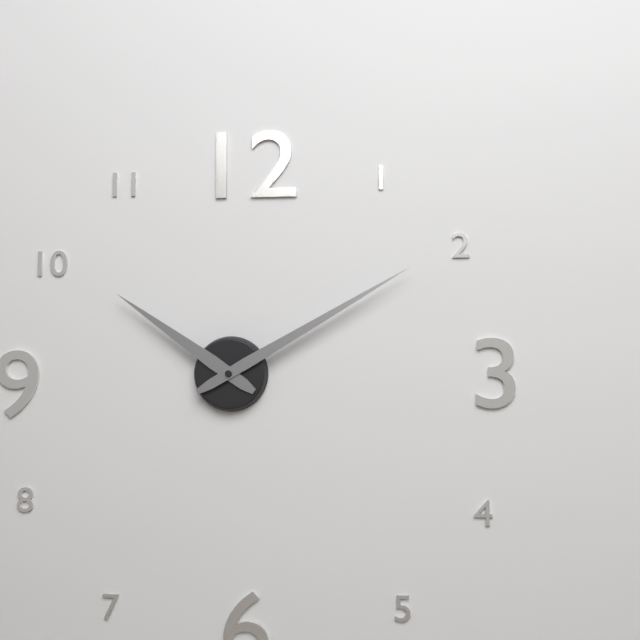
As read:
{"hour": 10, "minute": 10}
